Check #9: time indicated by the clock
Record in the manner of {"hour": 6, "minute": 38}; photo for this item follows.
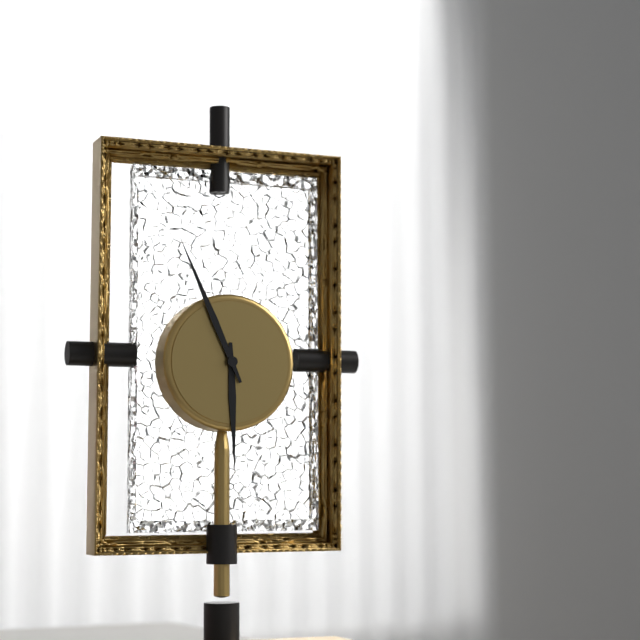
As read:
{"hour": 5, "minute": 56}
